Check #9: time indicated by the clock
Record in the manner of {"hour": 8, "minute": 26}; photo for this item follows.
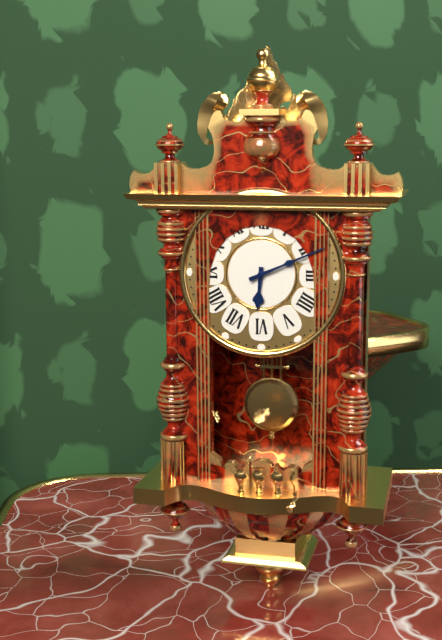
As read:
{"hour": 6, "minute": 11}
